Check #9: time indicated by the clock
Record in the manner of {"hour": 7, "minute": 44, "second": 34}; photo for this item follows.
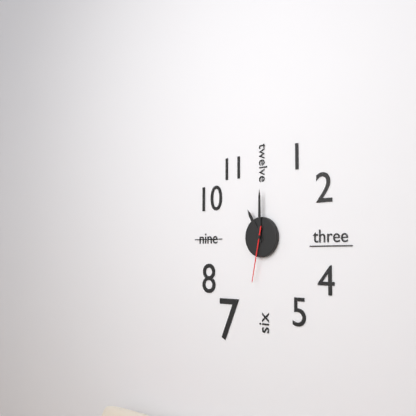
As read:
{"hour": 11, "minute": 0, "second": 32}
